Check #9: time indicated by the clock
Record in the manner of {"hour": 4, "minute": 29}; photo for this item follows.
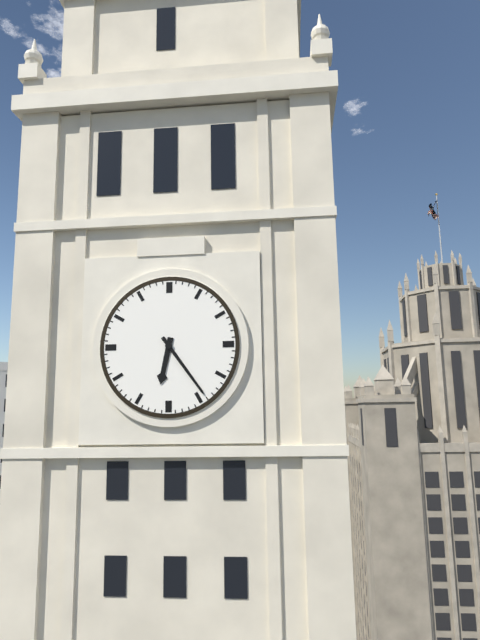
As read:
{"hour": 6, "minute": 24}
